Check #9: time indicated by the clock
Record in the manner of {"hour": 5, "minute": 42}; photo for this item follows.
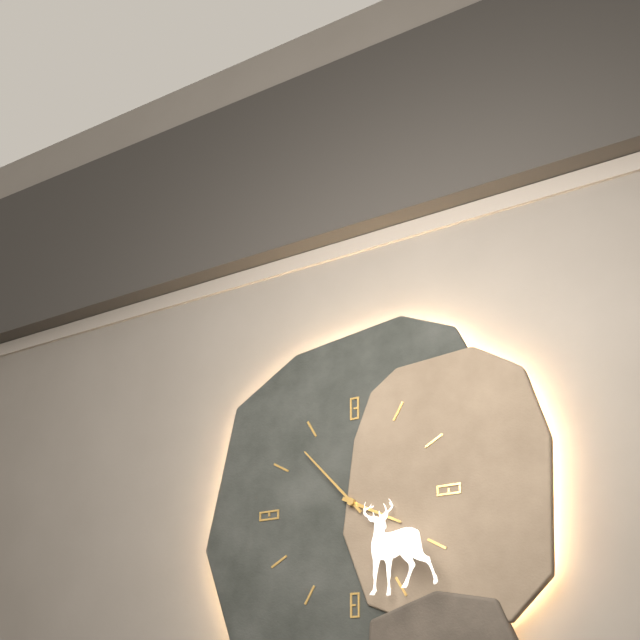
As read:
{"hour": 3, "minute": 53}
